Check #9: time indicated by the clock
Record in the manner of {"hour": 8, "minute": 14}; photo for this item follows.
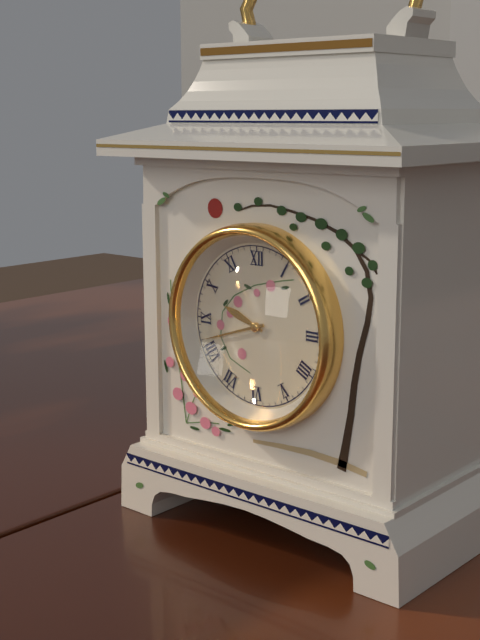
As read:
{"hour": 9, "minute": 42}
